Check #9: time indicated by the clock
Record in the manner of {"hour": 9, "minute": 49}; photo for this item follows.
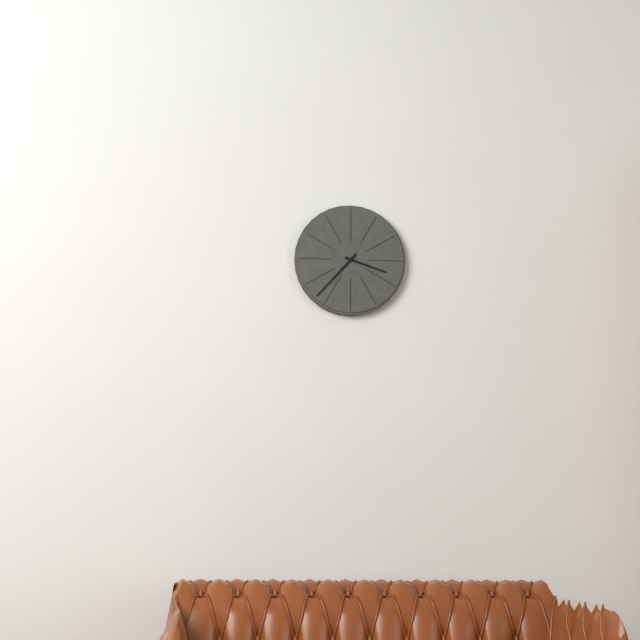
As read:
{"hour": 3, "minute": 37}
